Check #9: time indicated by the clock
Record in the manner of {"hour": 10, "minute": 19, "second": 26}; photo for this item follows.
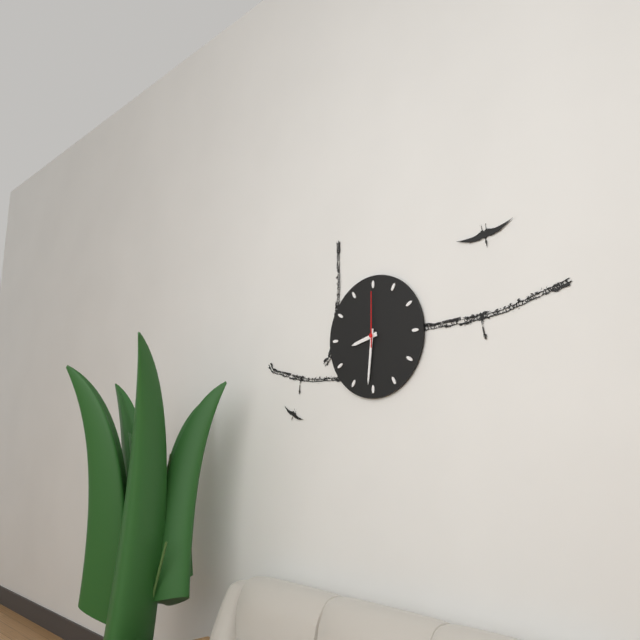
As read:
{"hour": 8, "minute": 31, "second": 0}
